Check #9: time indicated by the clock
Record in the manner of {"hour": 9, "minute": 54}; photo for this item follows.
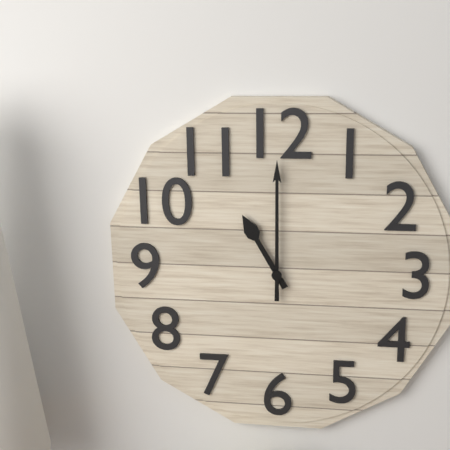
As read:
{"hour": 11, "minute": 0}
